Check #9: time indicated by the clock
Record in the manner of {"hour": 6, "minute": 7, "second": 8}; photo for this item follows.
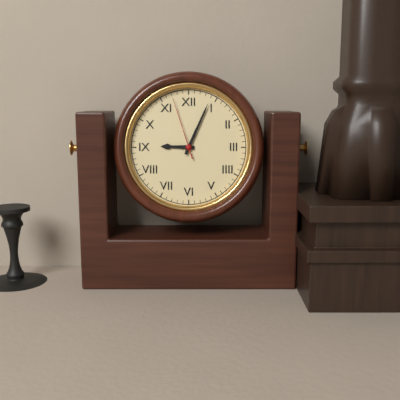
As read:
{"hour": 9, "minute": 4, "second": 57}
